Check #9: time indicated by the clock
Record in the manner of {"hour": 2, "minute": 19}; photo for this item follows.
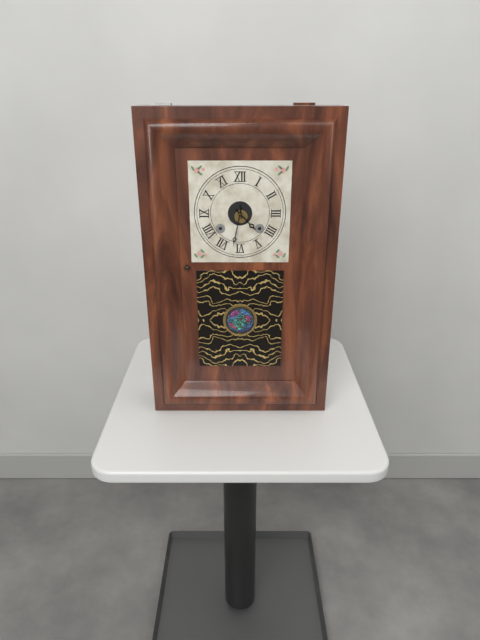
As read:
{"hour": 4, "minute": 32}
